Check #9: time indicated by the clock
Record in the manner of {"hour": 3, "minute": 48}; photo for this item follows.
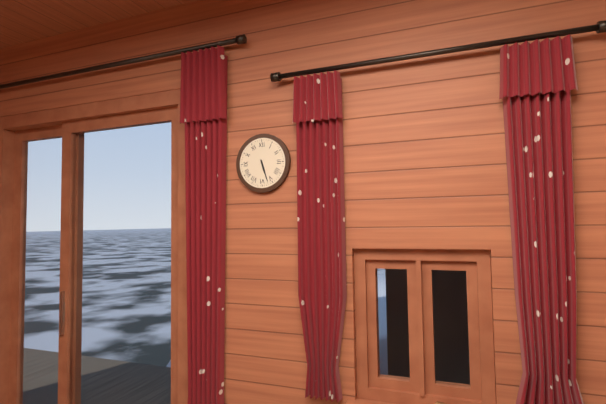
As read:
{"hour": 5, "minute": 27}
